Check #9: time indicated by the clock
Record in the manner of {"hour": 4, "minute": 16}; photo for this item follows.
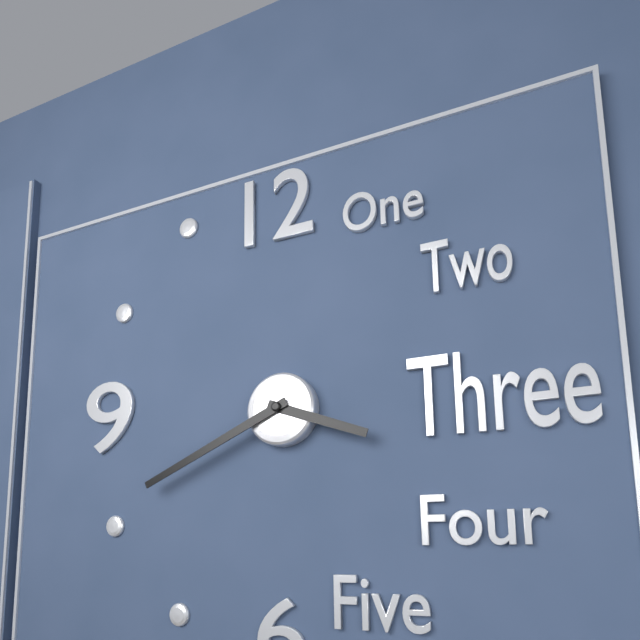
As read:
{"hour": 3, "minute": 41}
